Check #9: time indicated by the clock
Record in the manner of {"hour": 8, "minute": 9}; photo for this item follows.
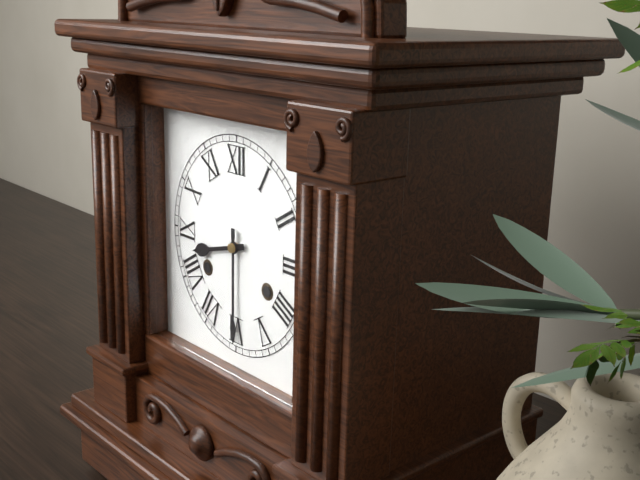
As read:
{"hour": 8, "minute": 30}
